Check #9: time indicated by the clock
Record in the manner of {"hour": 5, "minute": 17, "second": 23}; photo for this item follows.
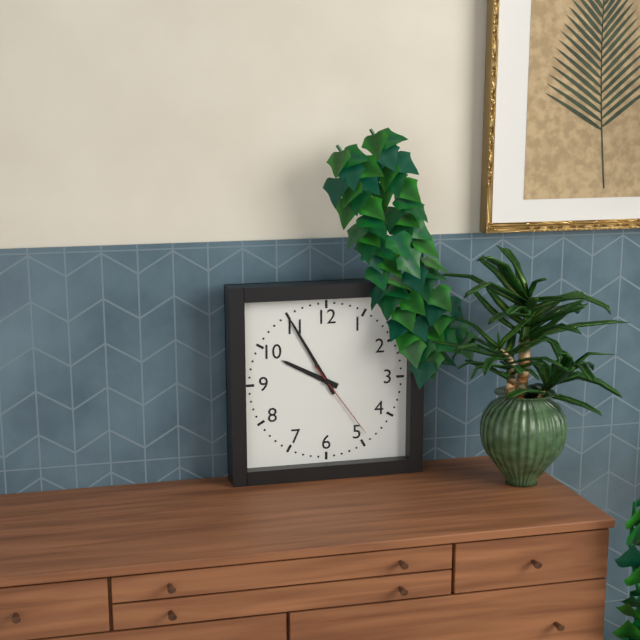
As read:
{"hour": 9, "minute": 55, "second": 24}
